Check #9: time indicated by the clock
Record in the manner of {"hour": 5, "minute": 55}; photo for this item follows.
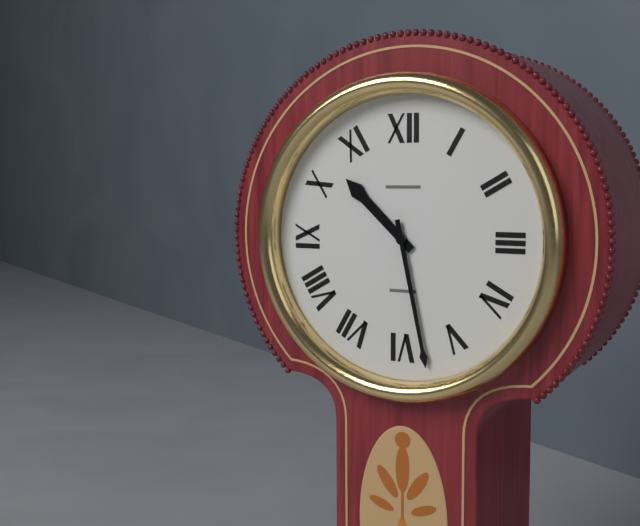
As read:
{"hour": 10, "minute": 28}
